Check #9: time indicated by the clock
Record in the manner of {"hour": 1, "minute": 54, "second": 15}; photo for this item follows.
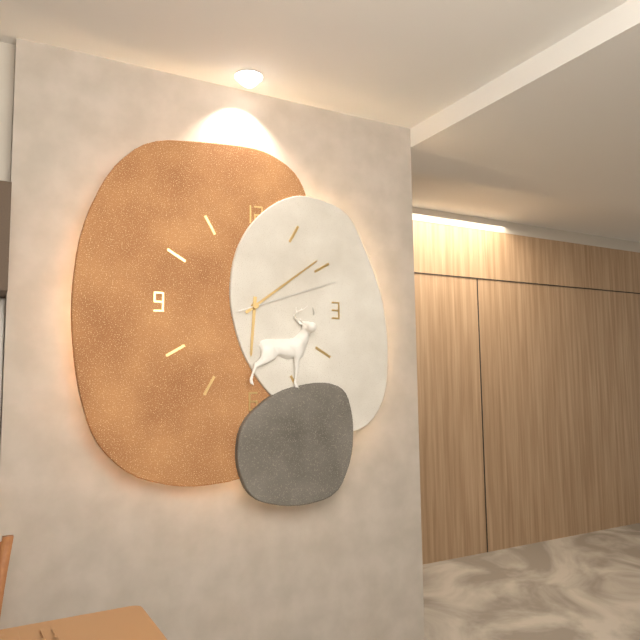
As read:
{"hour": 6, "minute": 9, "second": 12}
